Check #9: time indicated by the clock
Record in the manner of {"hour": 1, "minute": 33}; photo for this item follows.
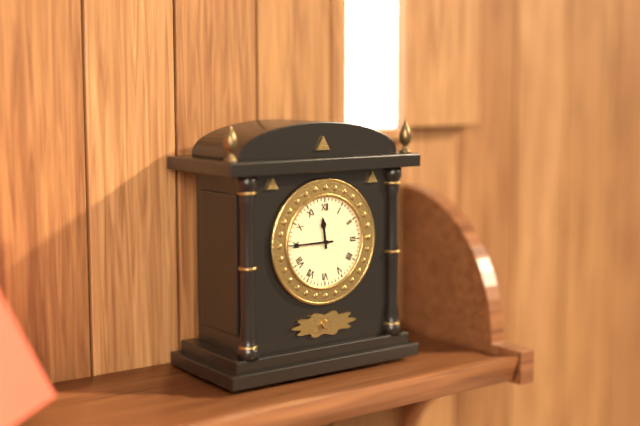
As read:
{"hour": 11, "minute": 45}
